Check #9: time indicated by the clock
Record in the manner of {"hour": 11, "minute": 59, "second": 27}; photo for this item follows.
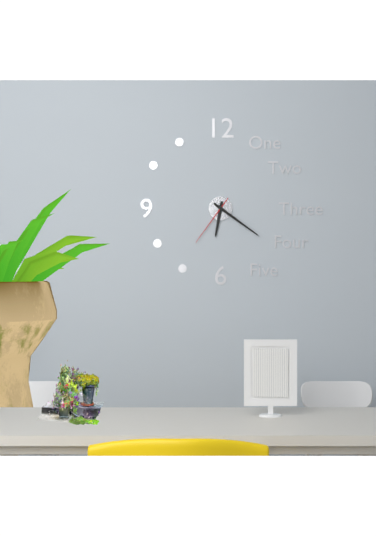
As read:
{"hour": 6, "minute": 21, "second": 36}
